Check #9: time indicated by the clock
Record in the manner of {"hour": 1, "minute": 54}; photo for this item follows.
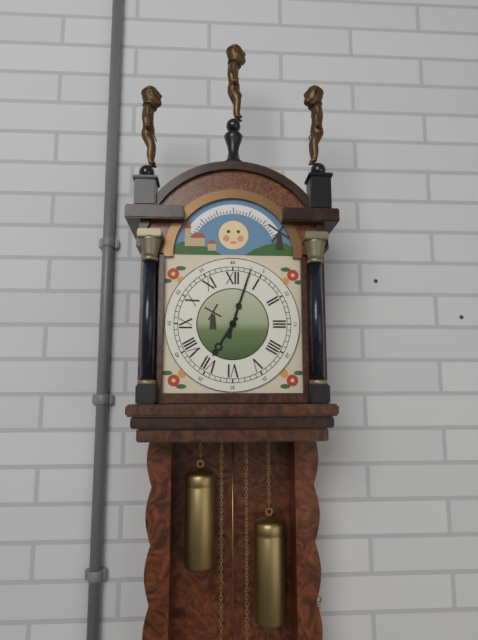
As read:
{"hour": 7, "minute": 3}
